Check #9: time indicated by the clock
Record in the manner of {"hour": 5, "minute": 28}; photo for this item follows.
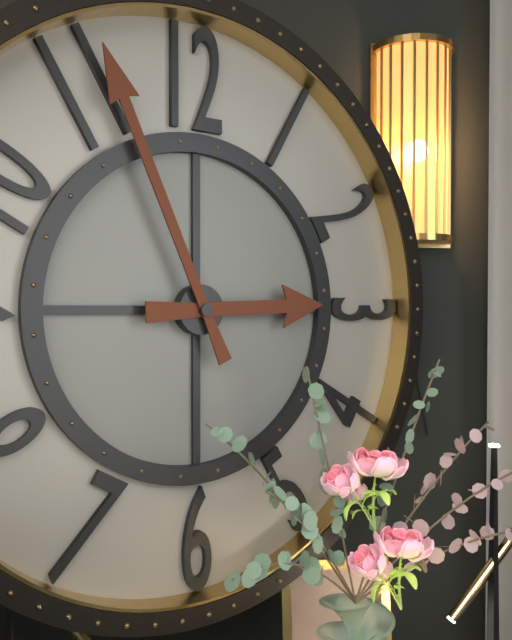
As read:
{"hour": 2, "minute": 56}
